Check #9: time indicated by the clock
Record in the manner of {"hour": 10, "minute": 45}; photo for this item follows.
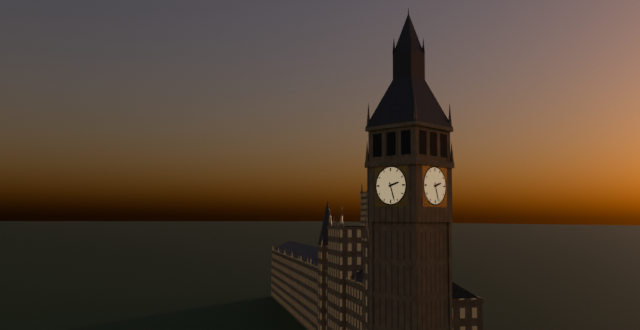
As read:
{"hour": 2, "minute": 27}
